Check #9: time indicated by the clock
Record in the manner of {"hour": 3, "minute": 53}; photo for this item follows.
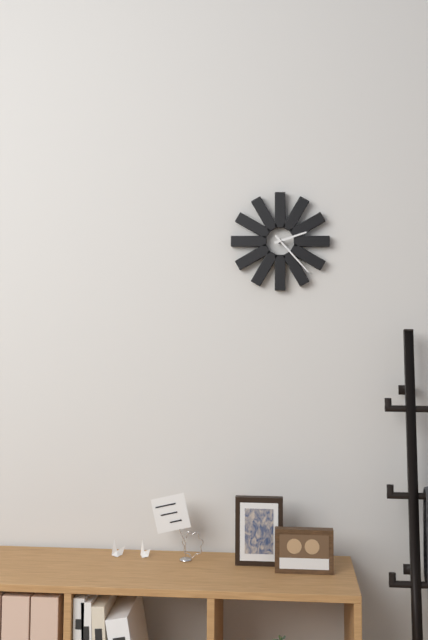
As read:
{"hour": 2, "minute": 23}
